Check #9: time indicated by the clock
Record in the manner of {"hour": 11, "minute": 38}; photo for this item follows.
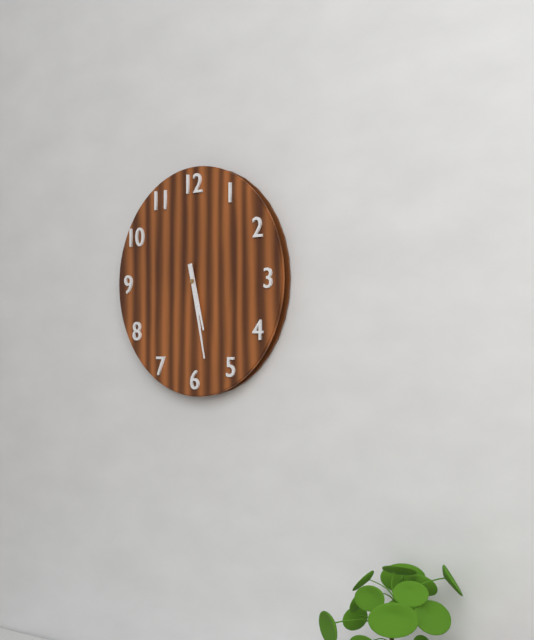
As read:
{"hour": 5, "minute": 28}
